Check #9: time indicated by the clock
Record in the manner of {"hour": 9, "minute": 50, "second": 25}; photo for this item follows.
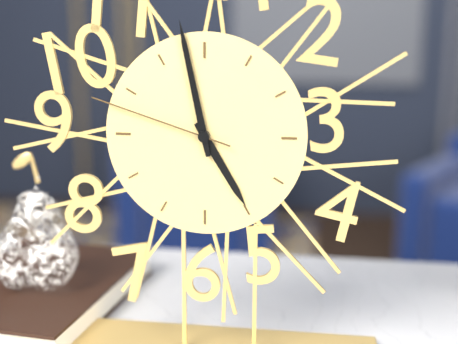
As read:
{"hour": 4, "minute": 58, "second": 48}
